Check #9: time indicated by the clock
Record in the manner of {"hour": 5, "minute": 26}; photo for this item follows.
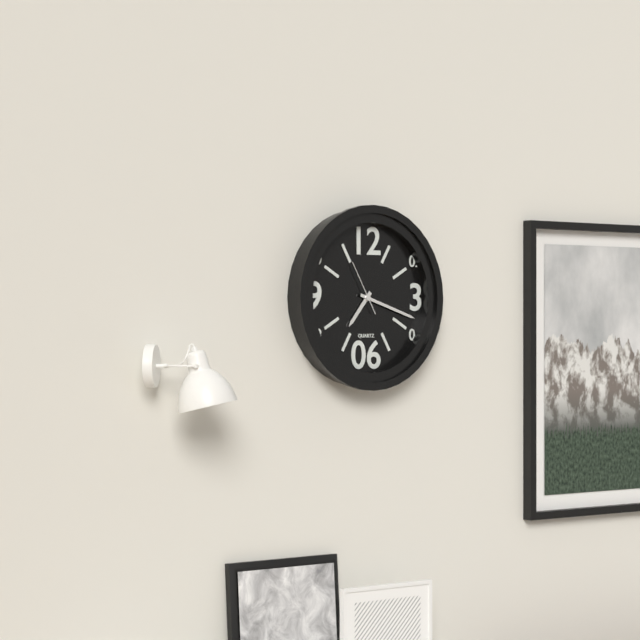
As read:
{"hour": 7, "minute": 18}
